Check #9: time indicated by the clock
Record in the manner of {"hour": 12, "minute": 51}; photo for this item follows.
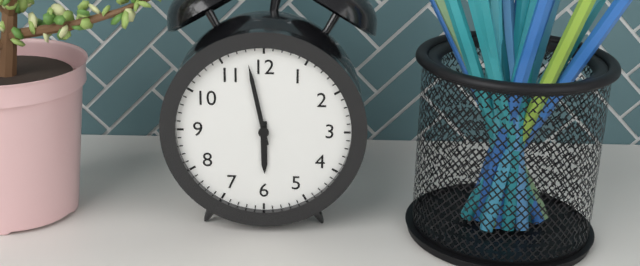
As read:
{"hour": 5, "minute": 58}
